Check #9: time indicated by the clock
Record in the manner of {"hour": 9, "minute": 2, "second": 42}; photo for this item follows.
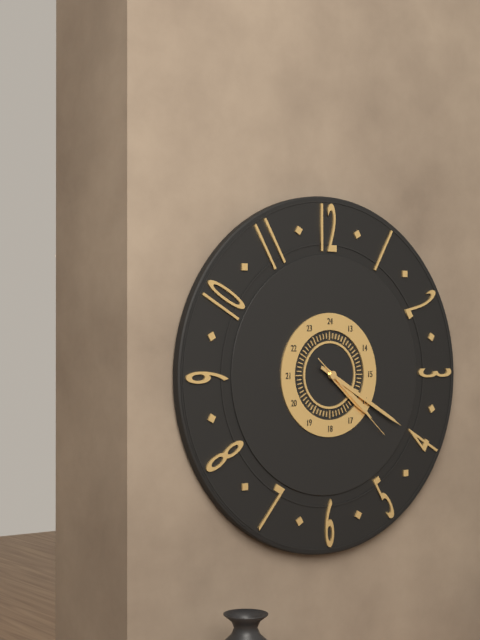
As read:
{"hour": 4, "minute": 20, "second": 22}
